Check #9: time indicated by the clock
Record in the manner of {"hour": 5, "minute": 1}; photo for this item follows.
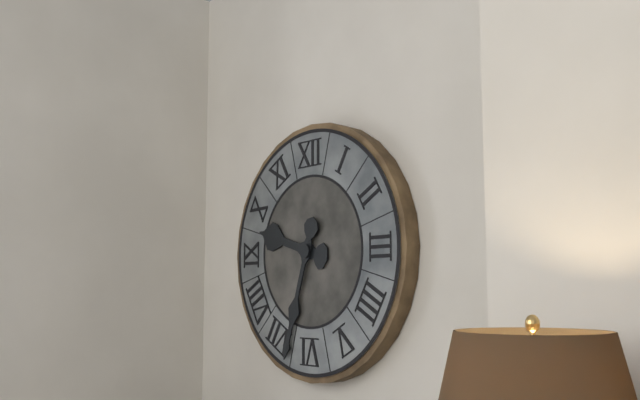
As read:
{"hour": 9, "minute": 33}
